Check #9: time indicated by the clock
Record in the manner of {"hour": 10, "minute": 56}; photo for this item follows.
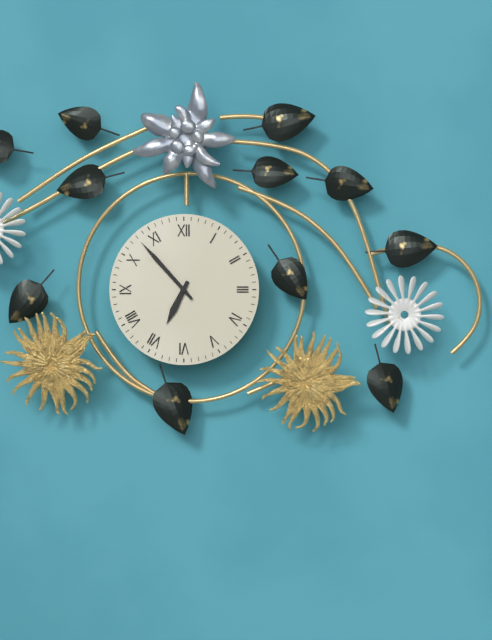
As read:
{"hour": 6, "minute": 53}
